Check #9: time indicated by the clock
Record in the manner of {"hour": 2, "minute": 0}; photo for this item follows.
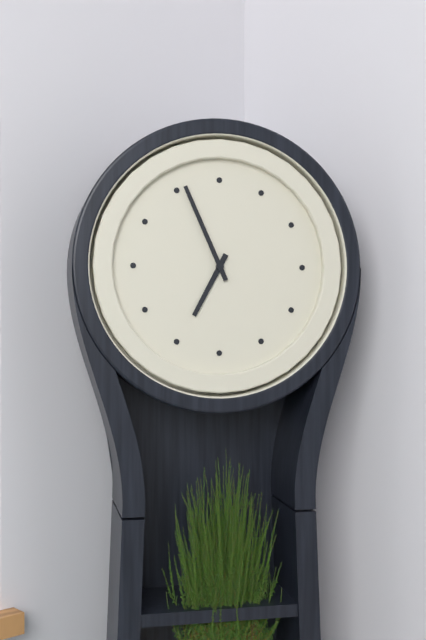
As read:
{"hour": 6, "minute": 56}
